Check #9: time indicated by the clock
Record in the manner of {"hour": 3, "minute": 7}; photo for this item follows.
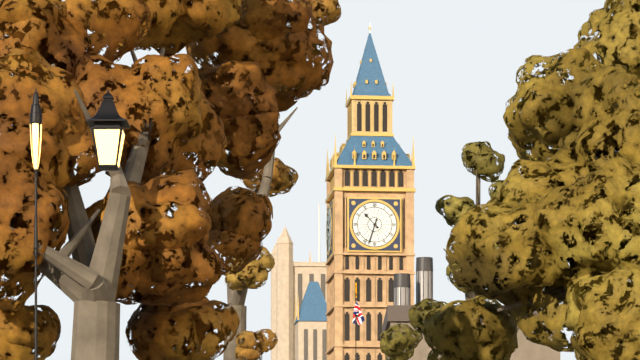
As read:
{"hour": 10, "minute": 33}
